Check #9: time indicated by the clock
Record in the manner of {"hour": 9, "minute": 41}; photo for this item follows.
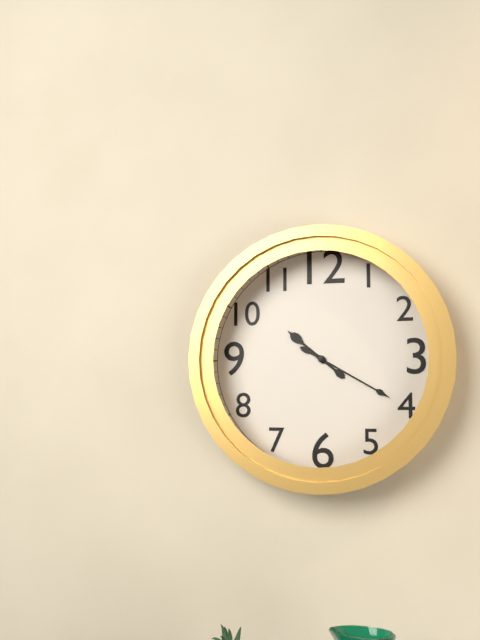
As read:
{"hour": 10, "minute": 20}
